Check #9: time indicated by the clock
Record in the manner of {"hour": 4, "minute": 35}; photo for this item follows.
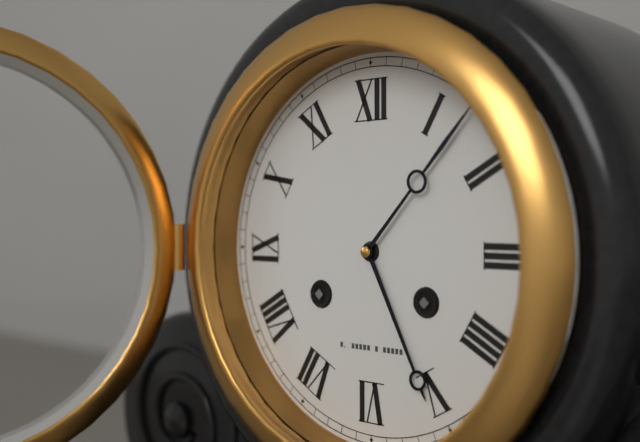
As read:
{"hour": 5, "minute": 7}
